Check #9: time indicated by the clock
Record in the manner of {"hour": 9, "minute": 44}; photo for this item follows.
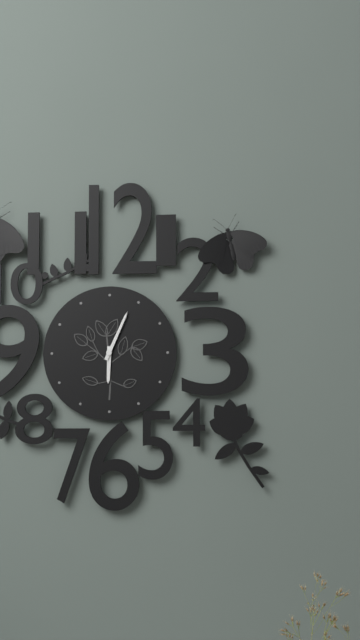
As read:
{"hour": 6, "minute": 4}
